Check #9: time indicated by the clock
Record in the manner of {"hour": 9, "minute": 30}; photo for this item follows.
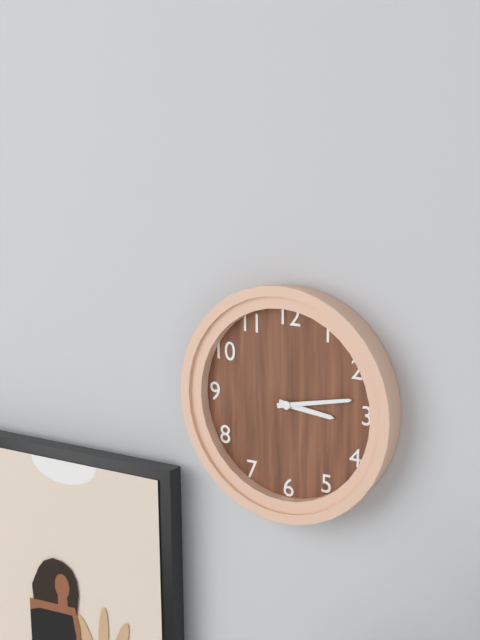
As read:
{"hour": 3, "minute": 13}
